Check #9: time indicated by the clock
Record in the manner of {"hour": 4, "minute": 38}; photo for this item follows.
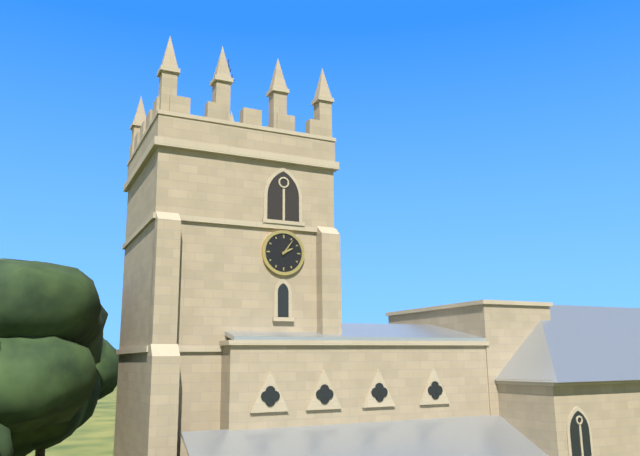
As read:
{"hour": 2, "minute": 6}
